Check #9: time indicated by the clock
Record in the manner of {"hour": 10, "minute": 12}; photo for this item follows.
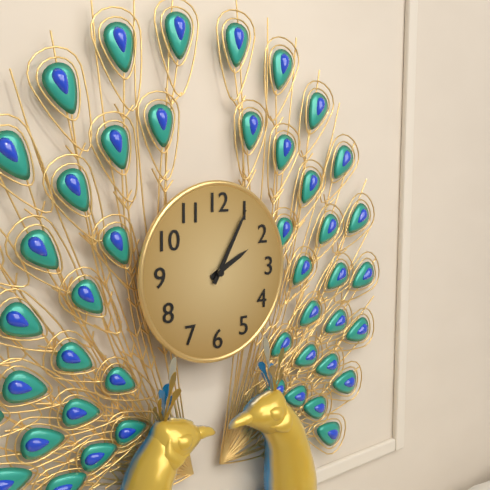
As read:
{"hour": 2, "minute": 5}
